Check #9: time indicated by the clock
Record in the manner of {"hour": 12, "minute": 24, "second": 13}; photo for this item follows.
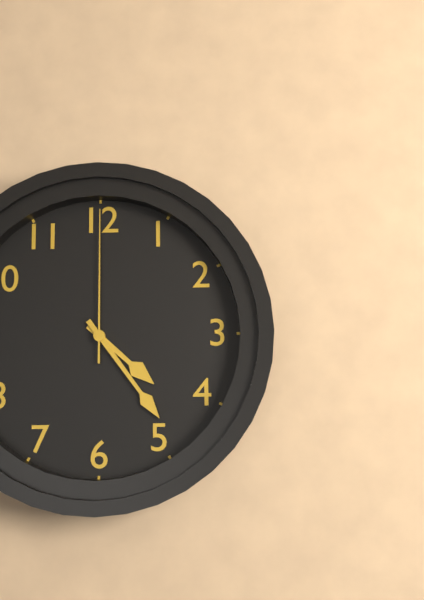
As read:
{"hour": 4, "minute": 24, "second": 0}
